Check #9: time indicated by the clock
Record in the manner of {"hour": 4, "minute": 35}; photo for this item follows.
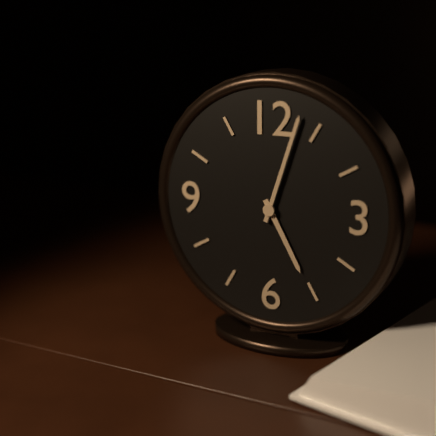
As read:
{"hour": 5, "minute": 3}
